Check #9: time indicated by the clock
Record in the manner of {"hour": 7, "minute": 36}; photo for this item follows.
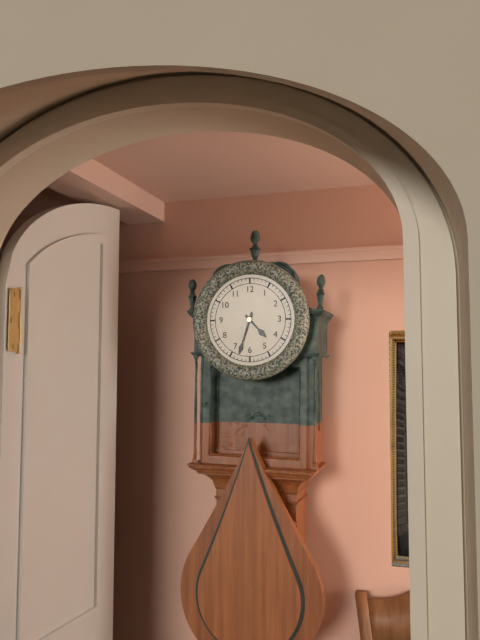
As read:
{"hour": 4, "minute": 33}
